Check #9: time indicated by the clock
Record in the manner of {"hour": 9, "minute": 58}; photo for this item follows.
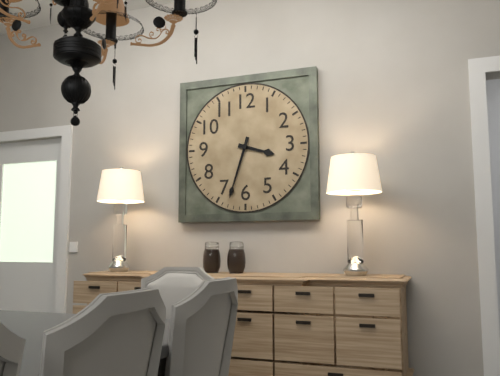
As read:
{"hour": 3, "minute": 33}
